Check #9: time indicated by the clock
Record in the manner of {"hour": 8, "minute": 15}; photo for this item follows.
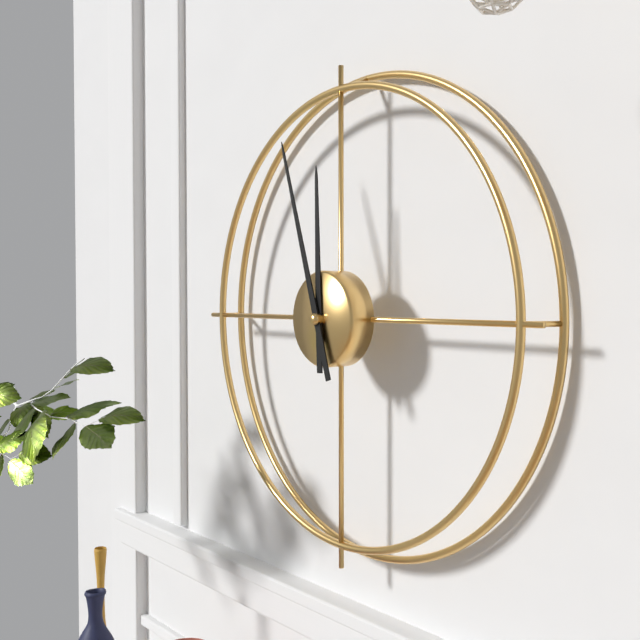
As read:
{"hour": 11, "minute": 57}
